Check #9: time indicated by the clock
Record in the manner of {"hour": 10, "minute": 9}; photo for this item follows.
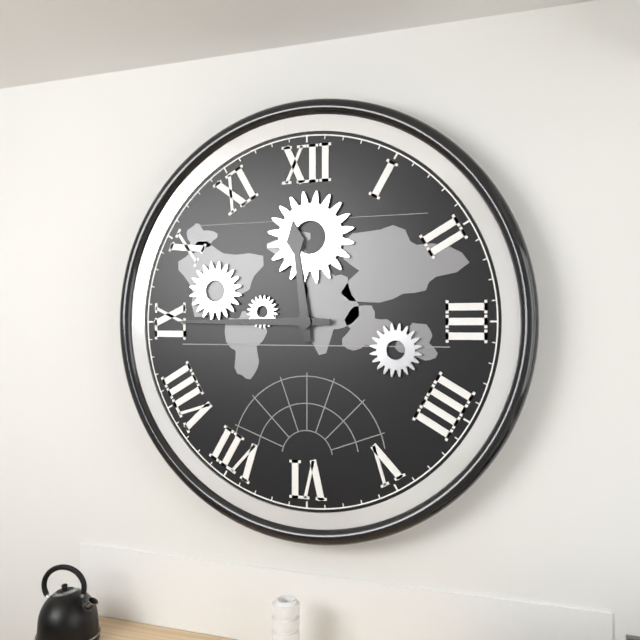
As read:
{"hour": 11, "minute": 45}
